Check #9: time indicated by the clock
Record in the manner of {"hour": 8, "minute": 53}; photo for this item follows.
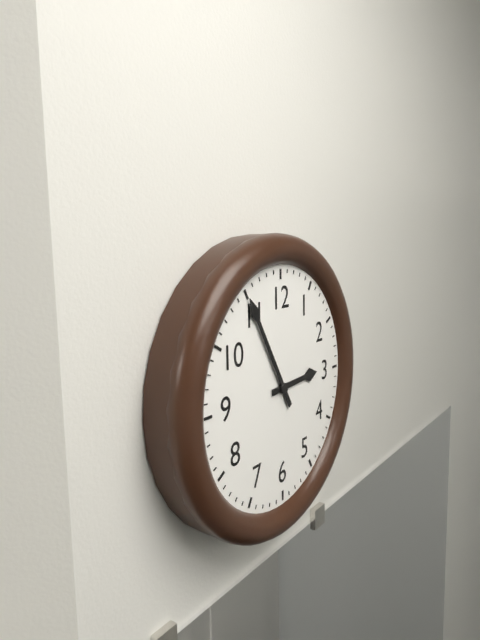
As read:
{"hour": 2, "minute": 55}
